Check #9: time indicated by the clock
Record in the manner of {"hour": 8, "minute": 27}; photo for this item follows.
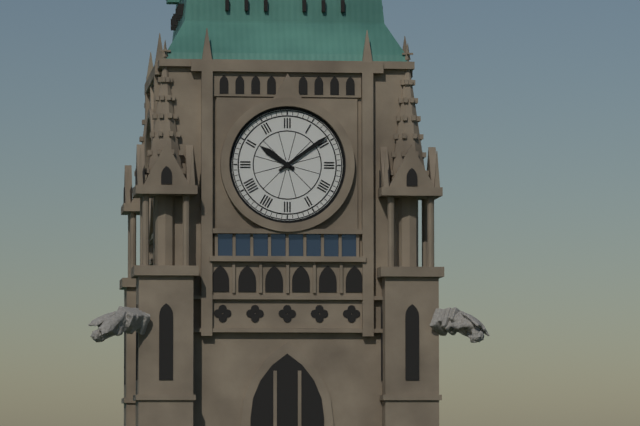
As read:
{"hour": 10, "minute": 9}
